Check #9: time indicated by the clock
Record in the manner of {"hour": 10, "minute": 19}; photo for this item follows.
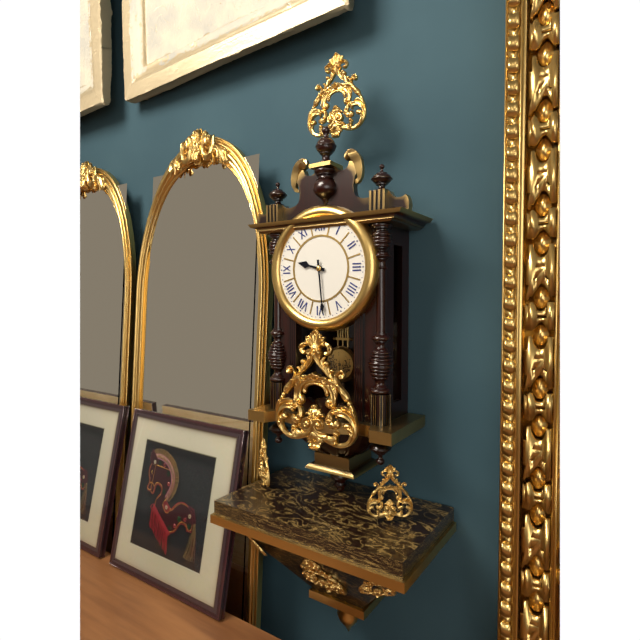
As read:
{"hour": 9, "minute": 29}
